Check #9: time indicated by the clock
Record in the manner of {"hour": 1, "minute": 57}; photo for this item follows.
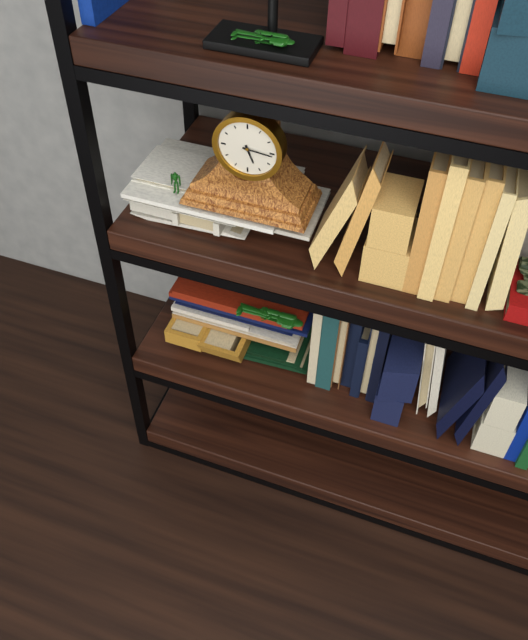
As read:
{"hour": 5, "minute": 16}
